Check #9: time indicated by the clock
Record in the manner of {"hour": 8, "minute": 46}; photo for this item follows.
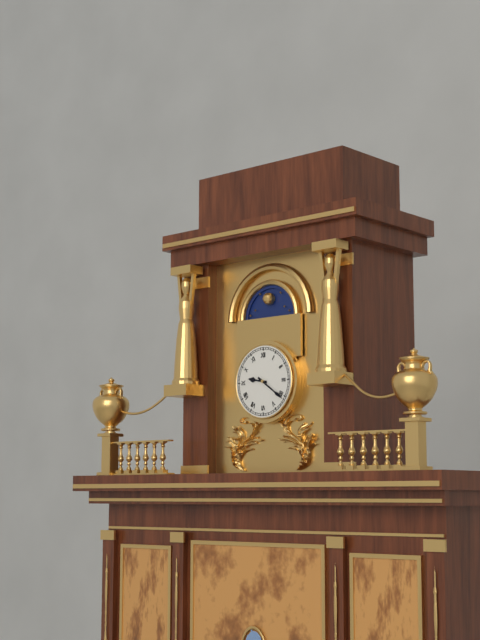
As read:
{"hour": 9, "minute": 21}
